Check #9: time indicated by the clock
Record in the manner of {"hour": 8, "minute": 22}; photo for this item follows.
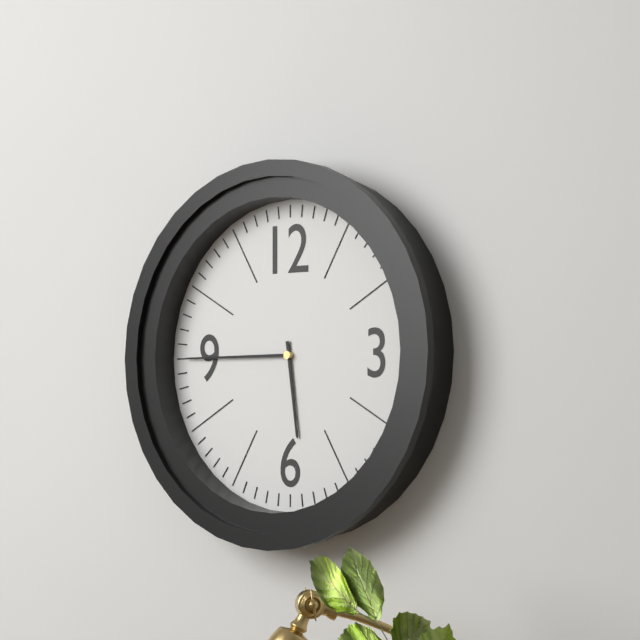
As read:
{"hour": 5, "minute": 45}
